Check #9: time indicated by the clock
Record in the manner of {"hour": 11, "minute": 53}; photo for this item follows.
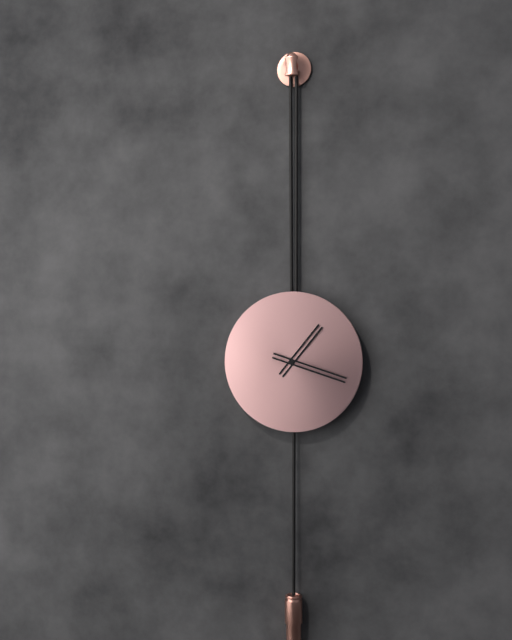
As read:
{"hour": 1, "minute": 18}
